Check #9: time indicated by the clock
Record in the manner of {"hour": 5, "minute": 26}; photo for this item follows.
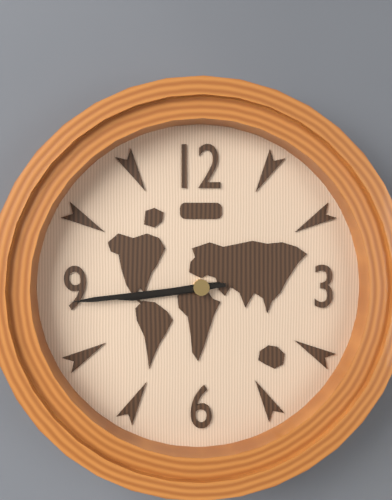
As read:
{"hour": 8, "minute": 44}
